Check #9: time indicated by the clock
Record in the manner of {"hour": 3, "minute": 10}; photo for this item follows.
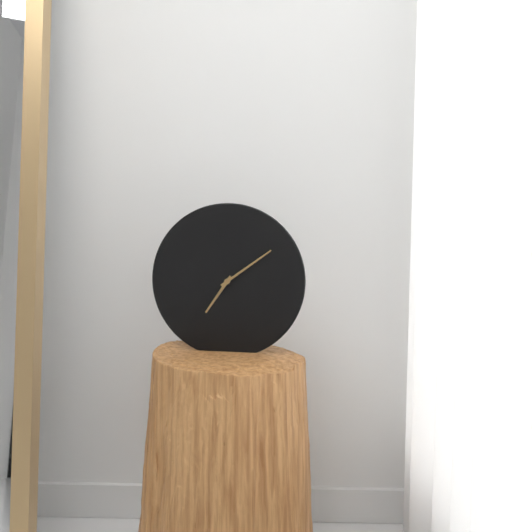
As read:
{"hour": 7, "minute": 9}
